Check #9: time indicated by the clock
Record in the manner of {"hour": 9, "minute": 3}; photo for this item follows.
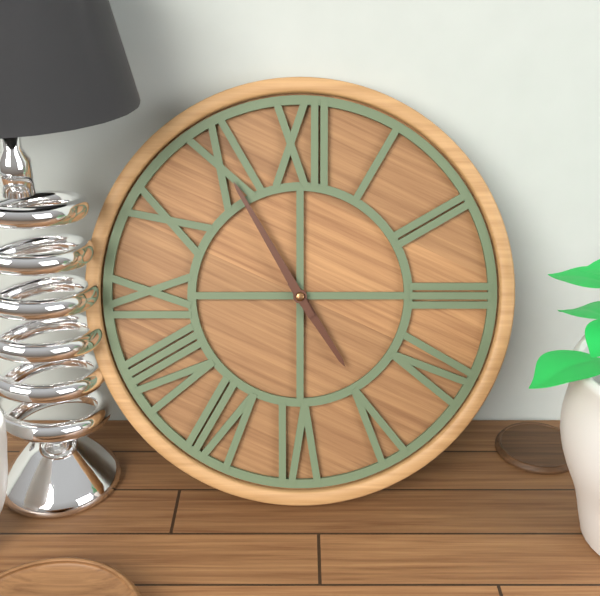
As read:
{"hour": 4, "minute": 55}
